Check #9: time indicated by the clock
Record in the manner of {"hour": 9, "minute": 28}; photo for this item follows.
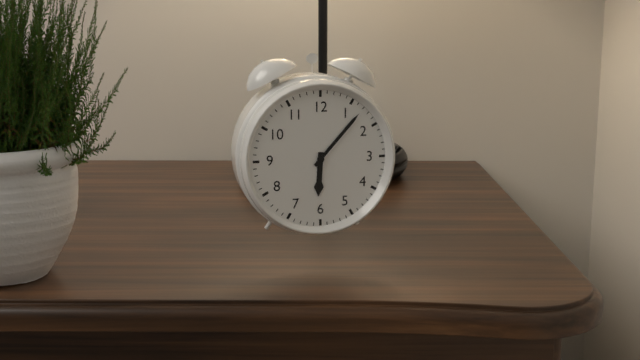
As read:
{"hour": 6, "minute": 7}
